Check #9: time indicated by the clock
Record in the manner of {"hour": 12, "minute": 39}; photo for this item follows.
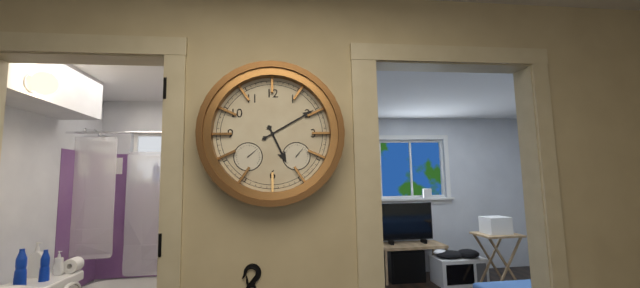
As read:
{"hour": 5, "minute": 10}
